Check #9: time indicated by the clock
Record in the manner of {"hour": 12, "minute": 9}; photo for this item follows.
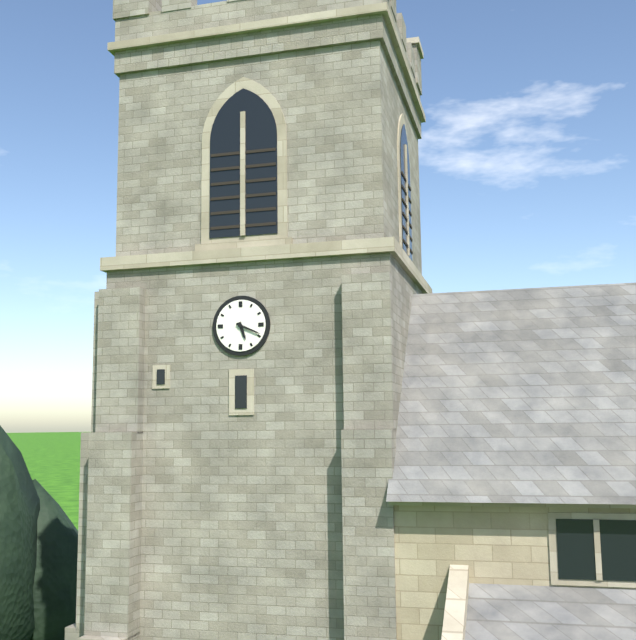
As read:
{"hour": 5, "minute": 19}
